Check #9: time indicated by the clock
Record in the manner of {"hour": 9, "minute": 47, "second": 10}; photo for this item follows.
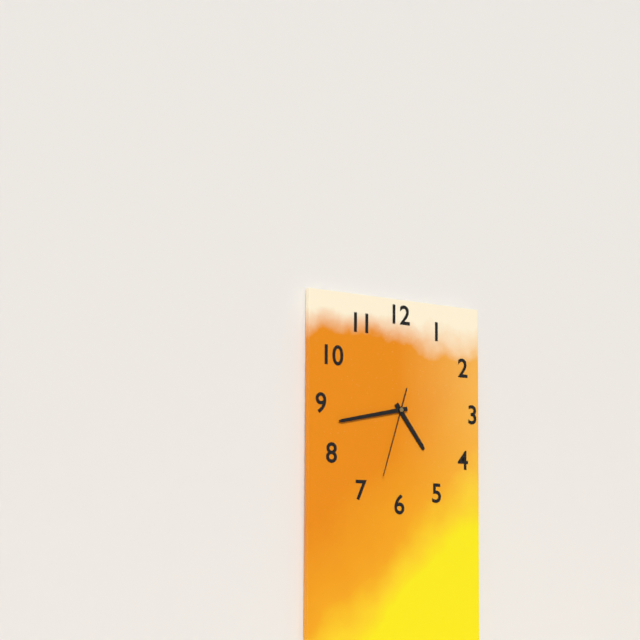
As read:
{"hour": 4, "minute": 43, "second": 33}
